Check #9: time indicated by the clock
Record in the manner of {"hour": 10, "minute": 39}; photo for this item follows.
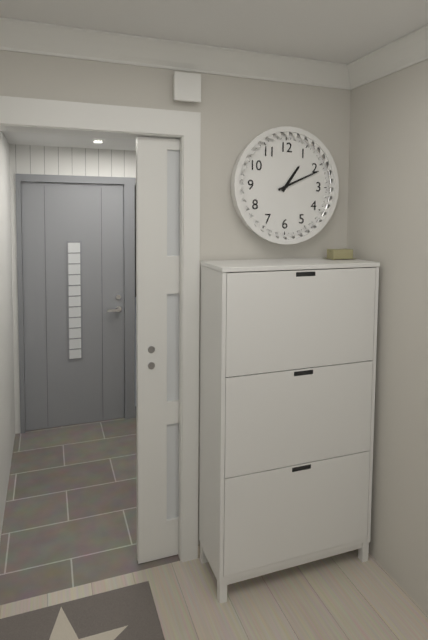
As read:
{"hour": 1, "minute": 11}
